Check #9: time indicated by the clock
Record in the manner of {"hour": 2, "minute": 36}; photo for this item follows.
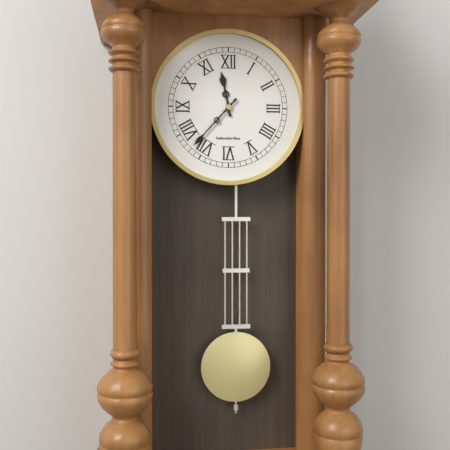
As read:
{"hour": 11, "minute": 37}
